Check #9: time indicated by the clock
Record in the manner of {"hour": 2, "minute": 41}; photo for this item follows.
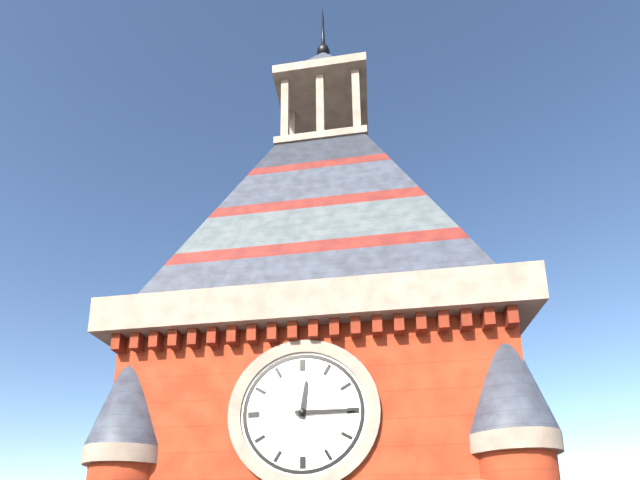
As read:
{"hour": 12, "minute": 15}
